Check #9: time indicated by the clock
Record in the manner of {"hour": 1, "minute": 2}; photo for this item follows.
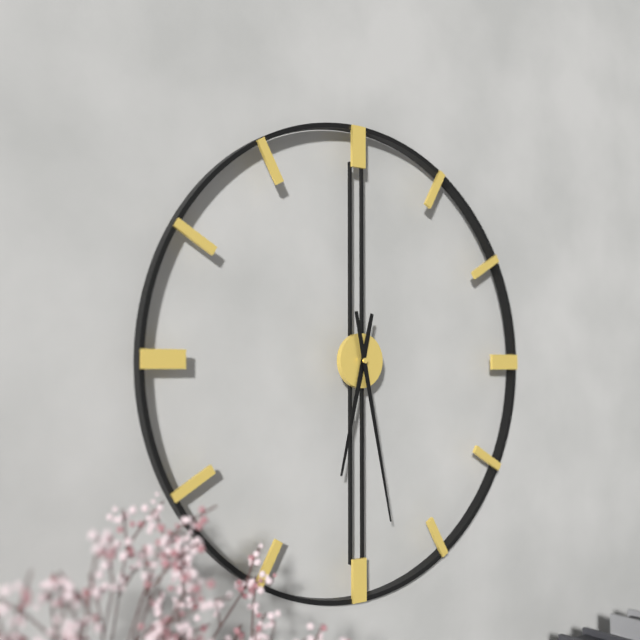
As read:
{"hour": 6, "minute": 28}
